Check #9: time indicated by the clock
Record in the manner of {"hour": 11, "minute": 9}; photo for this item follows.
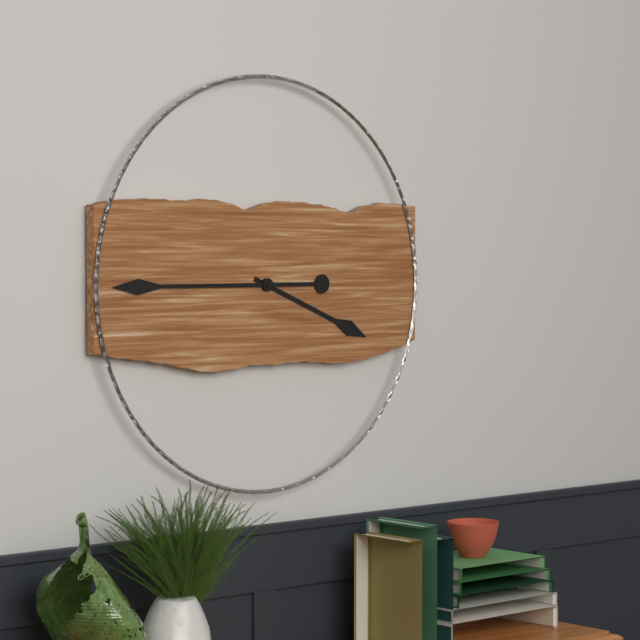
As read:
{"hour": 3, "minute": 45}
